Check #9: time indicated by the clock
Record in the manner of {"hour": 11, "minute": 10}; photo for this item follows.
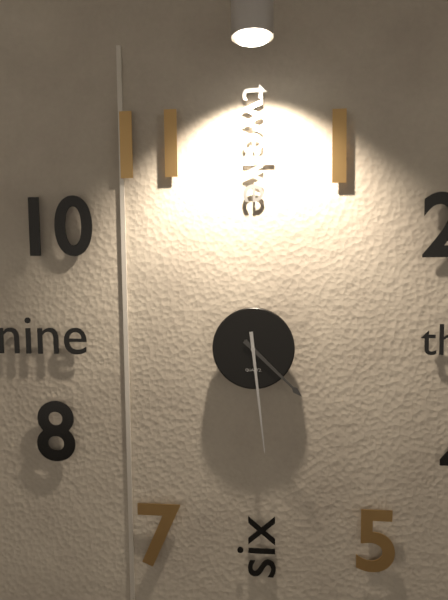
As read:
{"hour": 4, "minute": 29}
